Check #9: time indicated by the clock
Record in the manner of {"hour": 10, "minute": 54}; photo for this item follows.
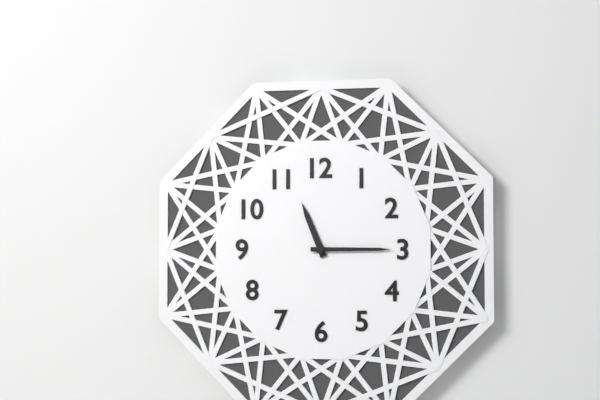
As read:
{"hour": 11, "minute": 15}
